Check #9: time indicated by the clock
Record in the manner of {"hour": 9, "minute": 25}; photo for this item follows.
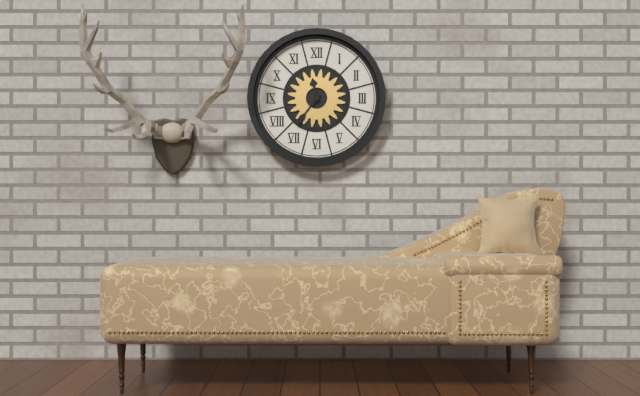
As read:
{"hour": 11, "minute": 36}
